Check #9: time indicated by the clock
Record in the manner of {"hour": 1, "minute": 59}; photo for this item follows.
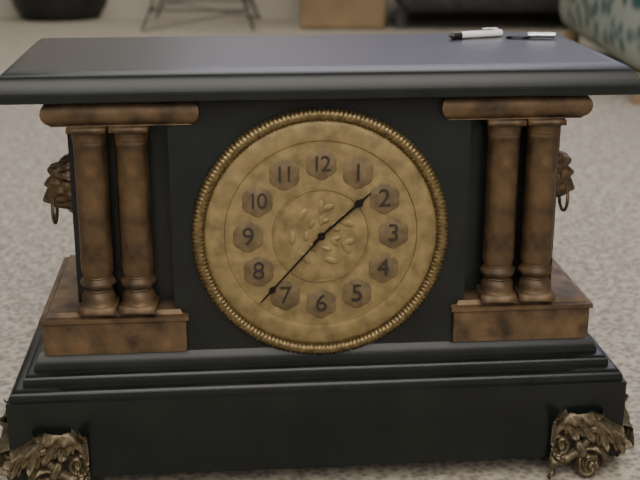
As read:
{"hour": 1, "minute": 37}
